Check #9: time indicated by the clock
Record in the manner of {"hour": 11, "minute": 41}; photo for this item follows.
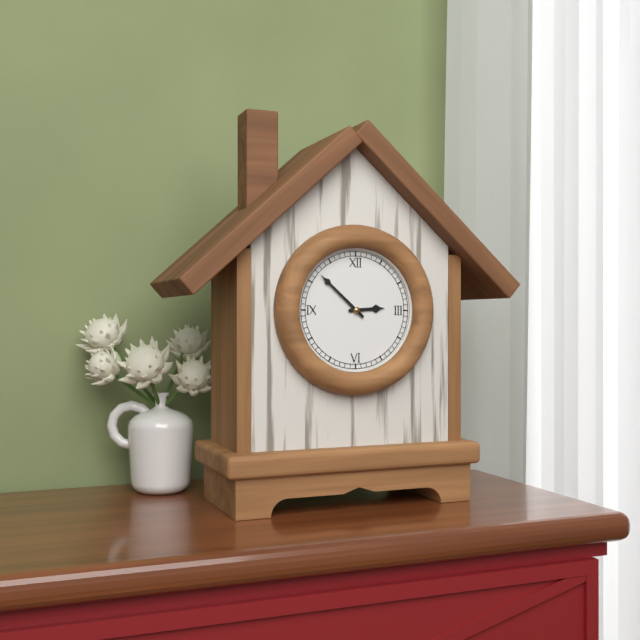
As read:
{"hour": 2, "minute": 52}
